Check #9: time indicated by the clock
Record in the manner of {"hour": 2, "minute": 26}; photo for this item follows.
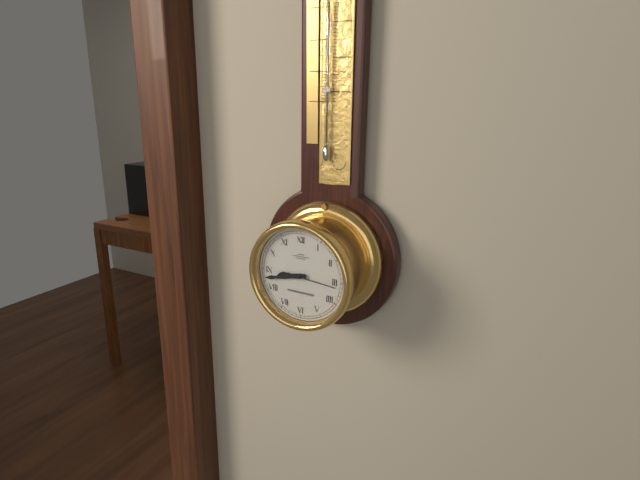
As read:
{"hour": 8, "minute": 43}
